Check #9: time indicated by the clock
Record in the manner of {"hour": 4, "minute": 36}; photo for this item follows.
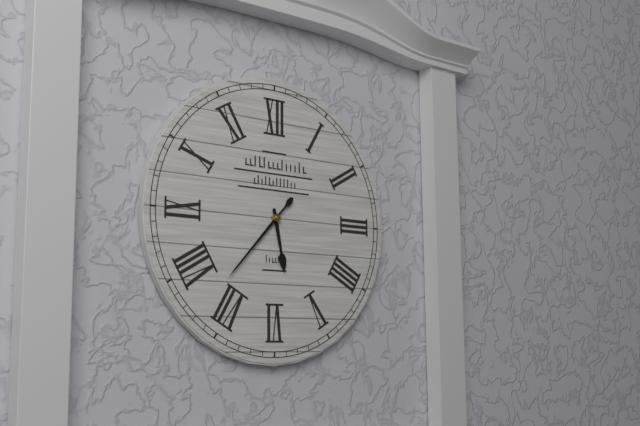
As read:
{"hour": 5, "minute": 37}
